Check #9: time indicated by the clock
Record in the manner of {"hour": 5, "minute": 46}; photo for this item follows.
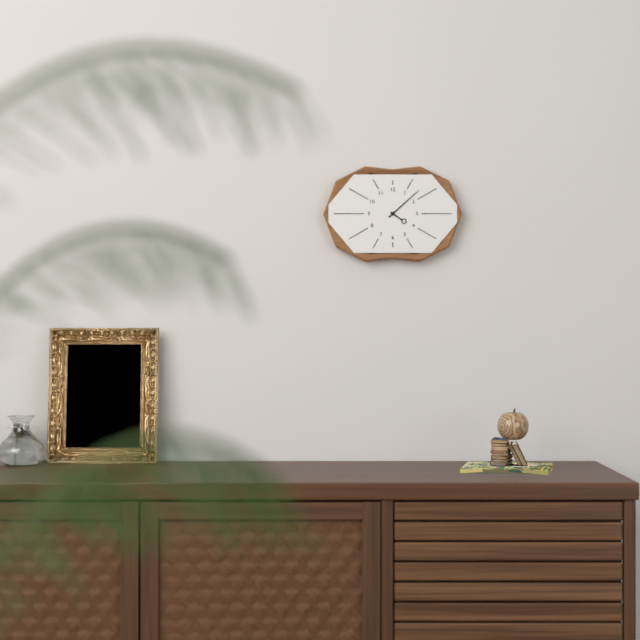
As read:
{"hour": 4, "minute": 8}
